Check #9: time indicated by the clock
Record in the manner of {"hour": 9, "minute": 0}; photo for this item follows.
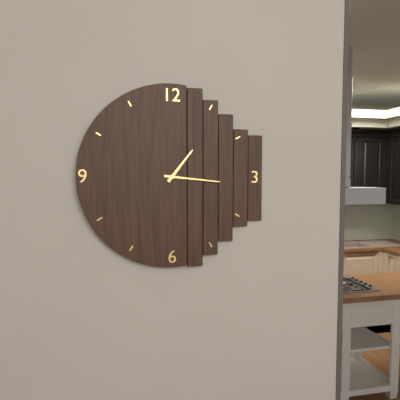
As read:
{"hour": 1, "minute": 16}
